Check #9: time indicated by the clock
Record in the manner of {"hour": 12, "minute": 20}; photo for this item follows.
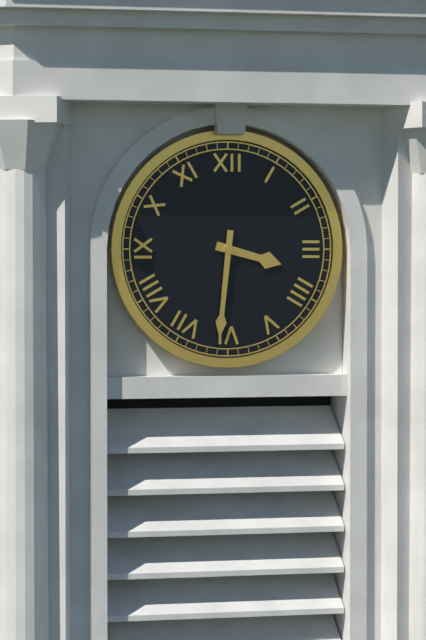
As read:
{"hour": 3, "minute": 31}
